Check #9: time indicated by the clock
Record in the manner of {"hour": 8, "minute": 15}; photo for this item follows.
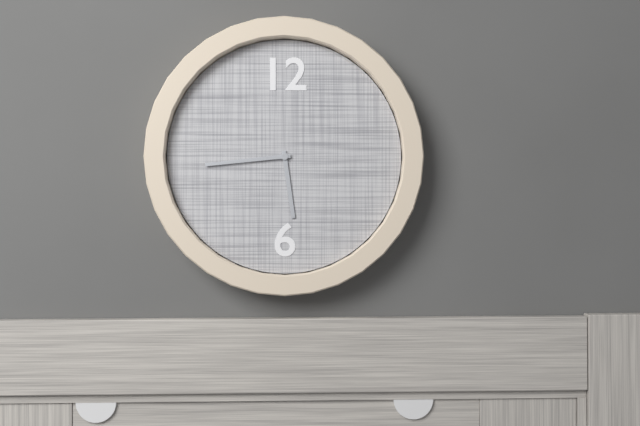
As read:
{"hour": 5, "minute": 44}
